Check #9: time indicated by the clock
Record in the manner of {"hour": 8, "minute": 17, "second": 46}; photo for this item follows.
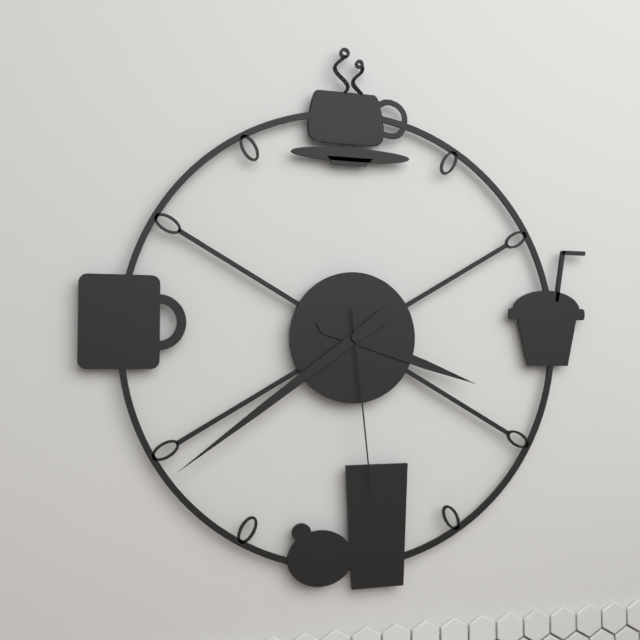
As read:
{"hour": 3, "minute": 39, "second": 29}
